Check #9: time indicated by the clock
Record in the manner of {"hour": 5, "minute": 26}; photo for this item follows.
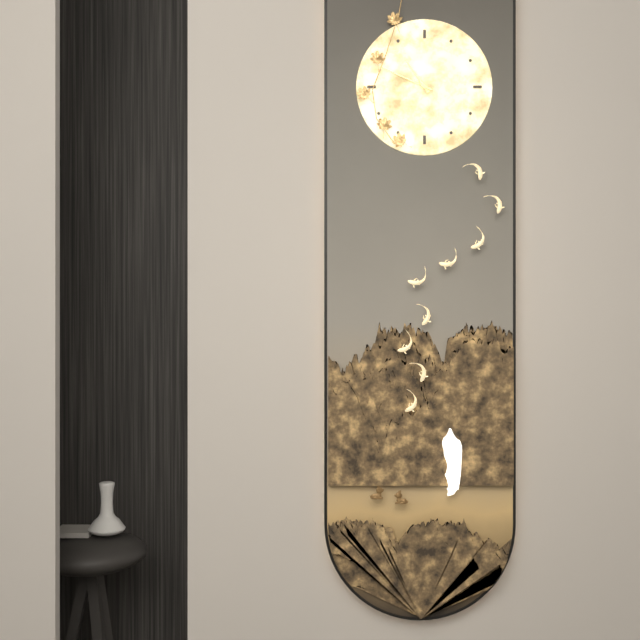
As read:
{"hour": 10, "minute": 49}
